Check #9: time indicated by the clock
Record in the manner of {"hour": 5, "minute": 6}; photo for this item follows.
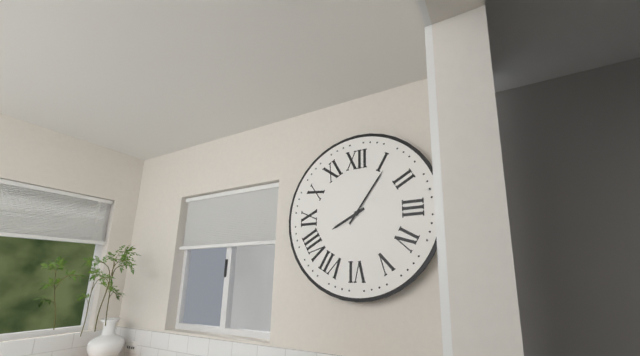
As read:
{"hour": 8, "minute": 6}
